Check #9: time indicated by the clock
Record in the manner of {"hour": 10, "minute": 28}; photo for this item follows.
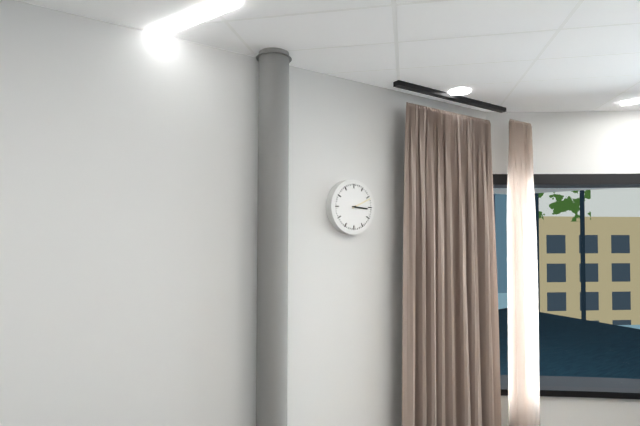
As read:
{"hour": 3, "minute": 11}
